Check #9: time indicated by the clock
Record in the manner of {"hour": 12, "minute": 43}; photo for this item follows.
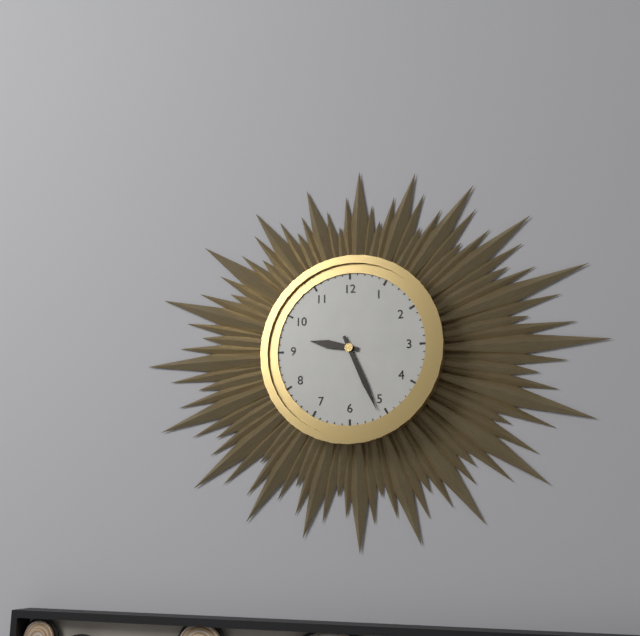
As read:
{"hour": 9, "minute": 26}
